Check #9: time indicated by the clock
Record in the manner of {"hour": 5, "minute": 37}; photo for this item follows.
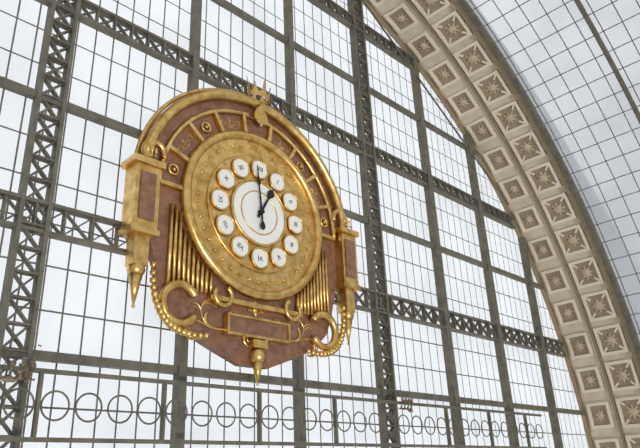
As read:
{"hour": 12, "minute": 59}
